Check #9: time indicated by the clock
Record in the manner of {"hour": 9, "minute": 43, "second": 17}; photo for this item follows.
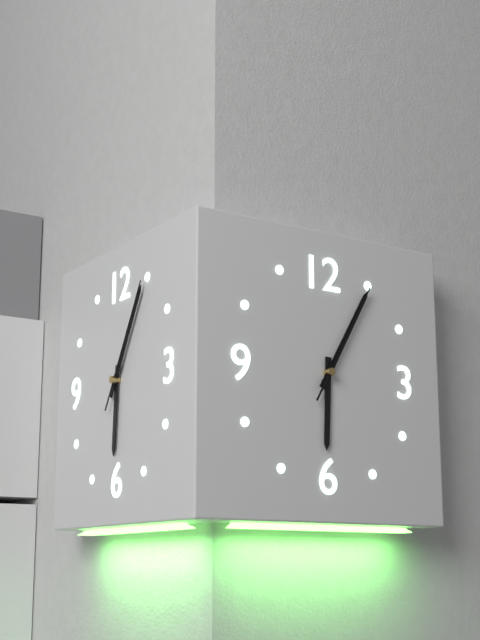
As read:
{"hour": 6, "minute": 5, "second": 5}
